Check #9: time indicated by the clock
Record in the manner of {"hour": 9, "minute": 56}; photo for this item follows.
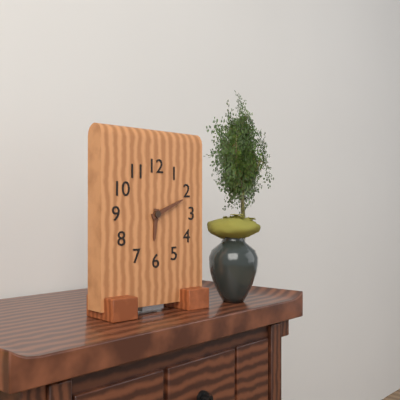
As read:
{"hour": 6, "minute": 11}
